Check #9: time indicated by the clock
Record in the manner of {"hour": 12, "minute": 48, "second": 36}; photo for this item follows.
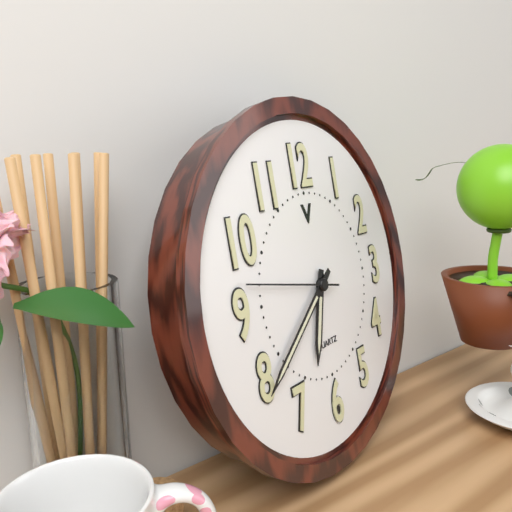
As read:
{"hour": 6, "minute": 39, "second": 47}
